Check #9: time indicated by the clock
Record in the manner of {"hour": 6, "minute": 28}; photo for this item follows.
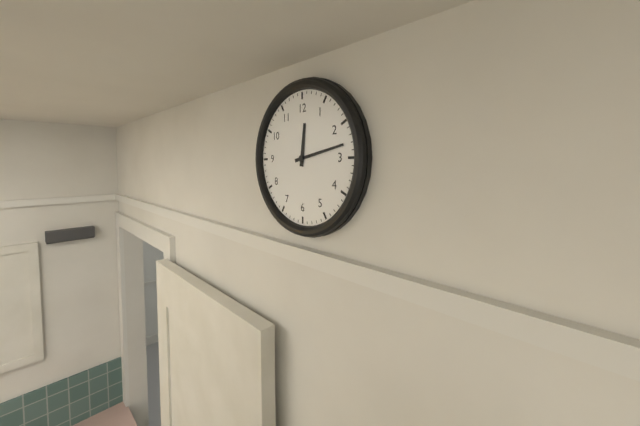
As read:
{"hour": 12, "minute": 13}
